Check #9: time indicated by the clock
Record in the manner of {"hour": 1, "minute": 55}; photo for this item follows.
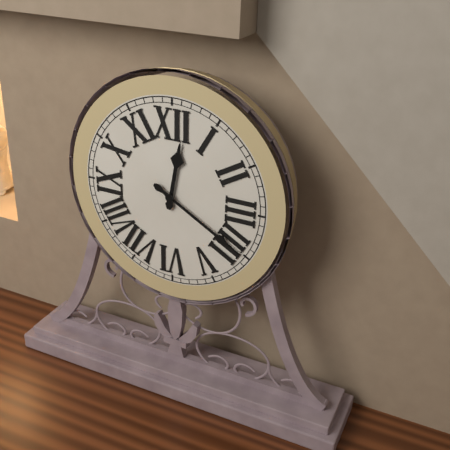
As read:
{"hour": 12, "minute": 20}
